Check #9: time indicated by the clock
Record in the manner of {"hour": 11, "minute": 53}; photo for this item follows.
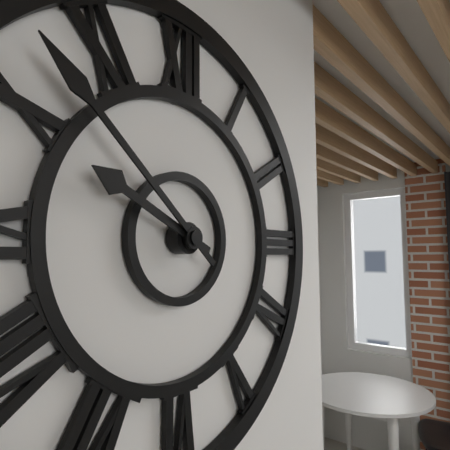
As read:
{"hour": 9, "minute": 52}
